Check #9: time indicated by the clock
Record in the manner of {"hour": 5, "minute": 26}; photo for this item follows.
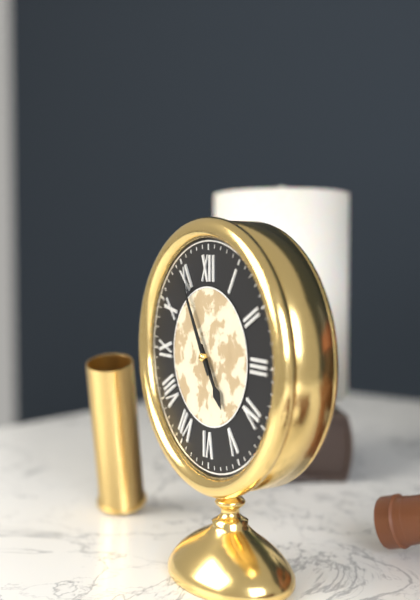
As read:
{"hour": 4, "minute": 55}
